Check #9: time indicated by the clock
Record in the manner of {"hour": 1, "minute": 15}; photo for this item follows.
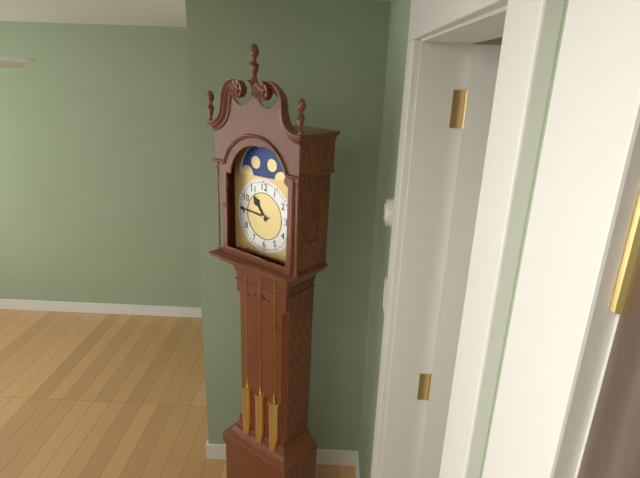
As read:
{"hour": 10, "minute": 46}
